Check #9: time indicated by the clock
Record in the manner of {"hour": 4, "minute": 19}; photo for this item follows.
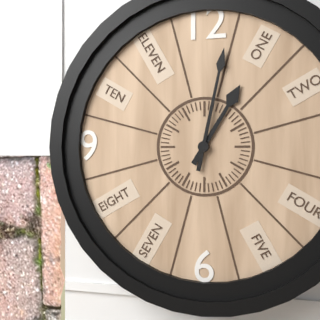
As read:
{"hour": 1, "minute": 2}
